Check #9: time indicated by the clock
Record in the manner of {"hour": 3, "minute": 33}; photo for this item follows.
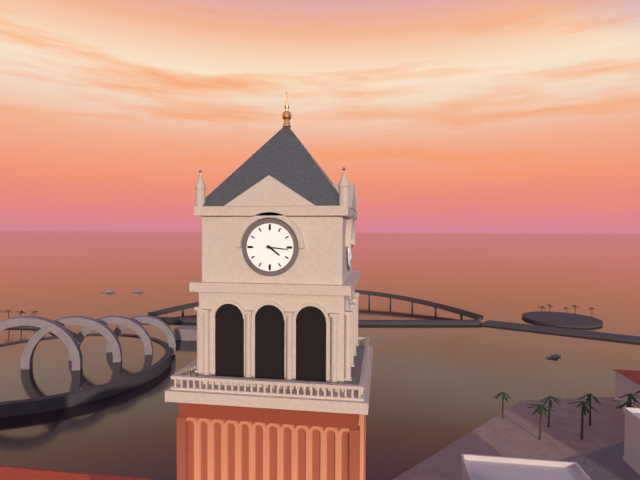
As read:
{"hour": 4, "minute": 16}
